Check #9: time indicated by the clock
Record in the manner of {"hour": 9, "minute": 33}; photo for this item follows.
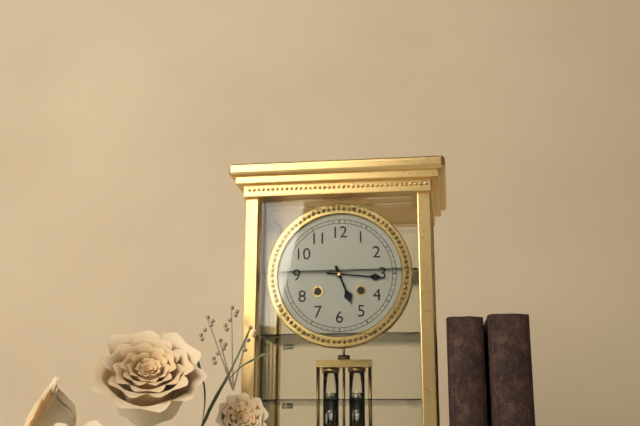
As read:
{"hour": 5, "minute": 16}
